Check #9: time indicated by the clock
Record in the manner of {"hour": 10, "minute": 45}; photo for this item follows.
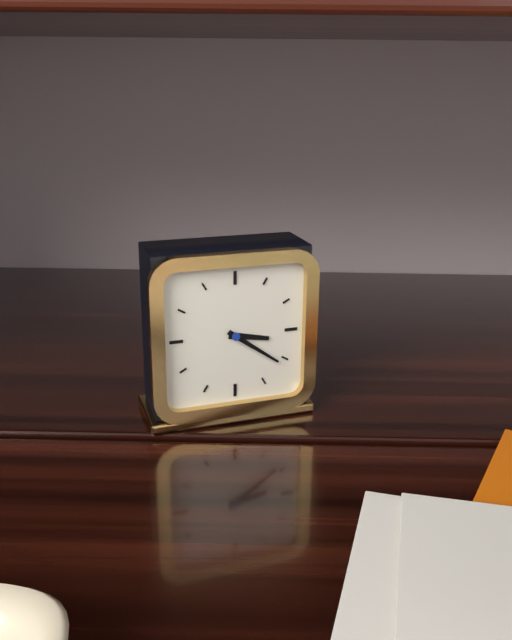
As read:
{"hour": 3, "minute": 21}
